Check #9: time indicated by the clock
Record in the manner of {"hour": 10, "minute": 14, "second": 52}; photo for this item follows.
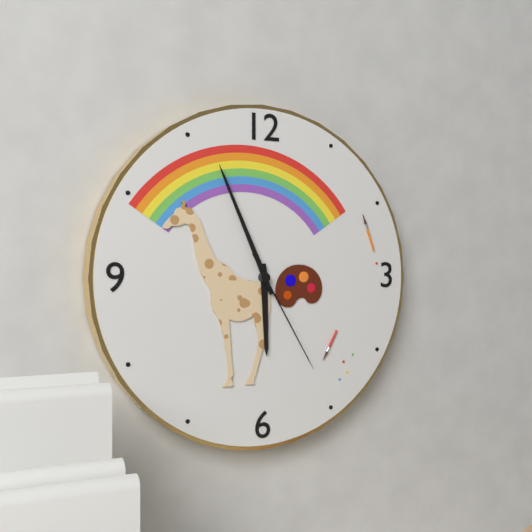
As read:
{"hour": 5, "minute": 56, "second": 25}
